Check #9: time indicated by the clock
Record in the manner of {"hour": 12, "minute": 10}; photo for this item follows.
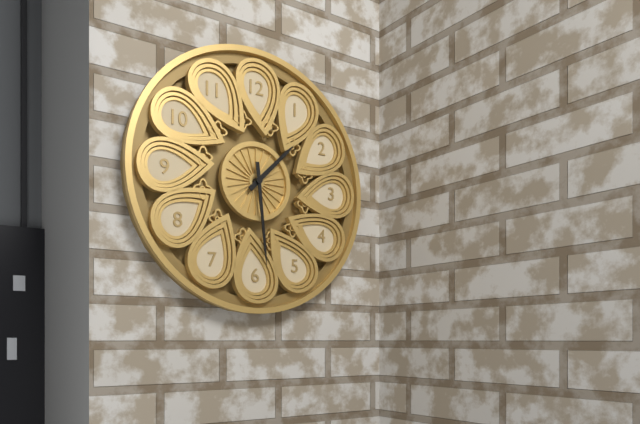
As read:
{"hour": 1, "minute": 29}
